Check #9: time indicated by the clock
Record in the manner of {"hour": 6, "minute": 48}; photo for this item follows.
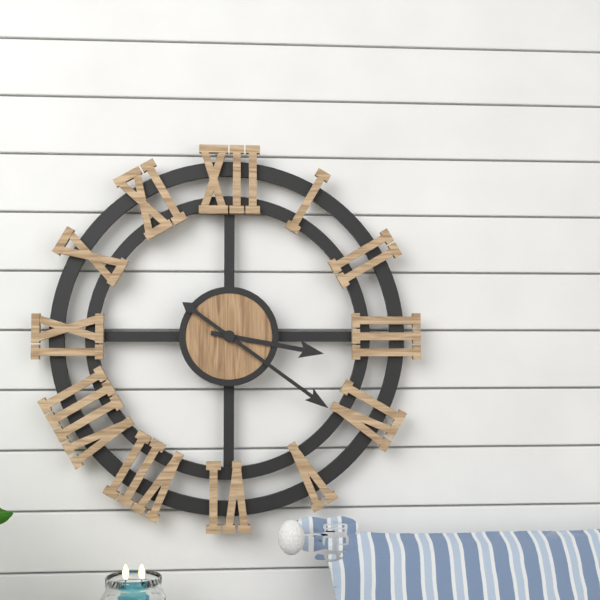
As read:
{"hour": 3, "minute": 21}
